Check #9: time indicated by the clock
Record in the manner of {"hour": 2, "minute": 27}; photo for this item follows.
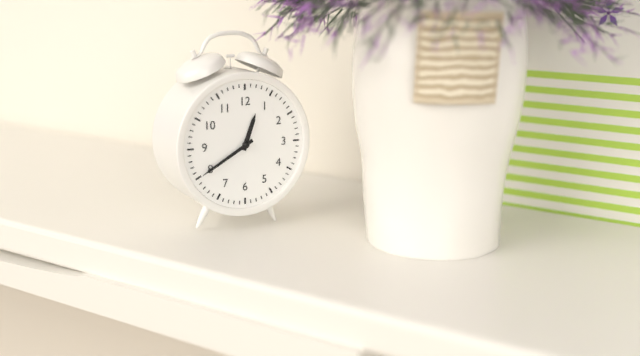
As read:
{"hour": 12, "minute": 40}
